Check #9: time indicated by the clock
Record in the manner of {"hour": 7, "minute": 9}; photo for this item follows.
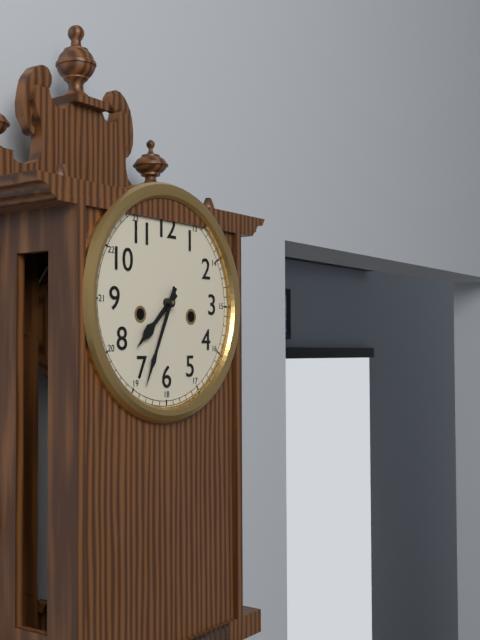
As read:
{"hour": 7, "minute": 34}
